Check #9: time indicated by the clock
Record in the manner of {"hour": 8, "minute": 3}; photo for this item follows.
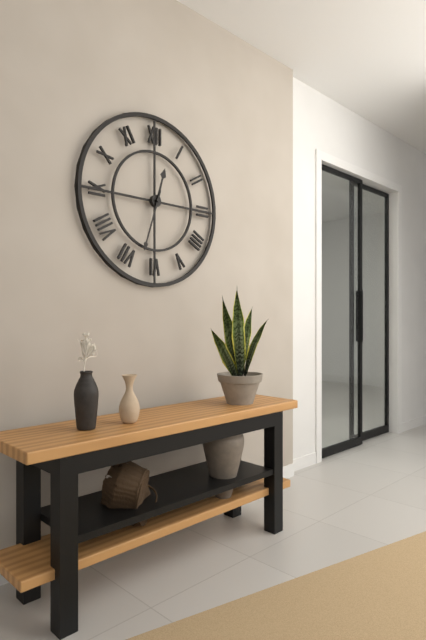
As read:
{"hour": 12, "minute": 33}
